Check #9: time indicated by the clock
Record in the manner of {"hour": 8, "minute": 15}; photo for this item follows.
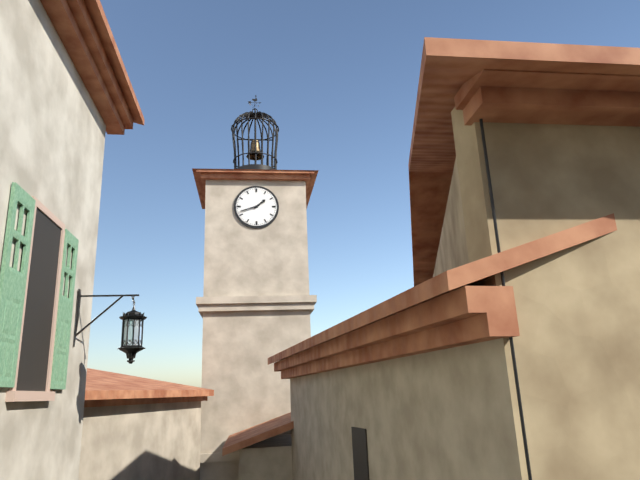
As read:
{"hour": 1, "minute": 42}
